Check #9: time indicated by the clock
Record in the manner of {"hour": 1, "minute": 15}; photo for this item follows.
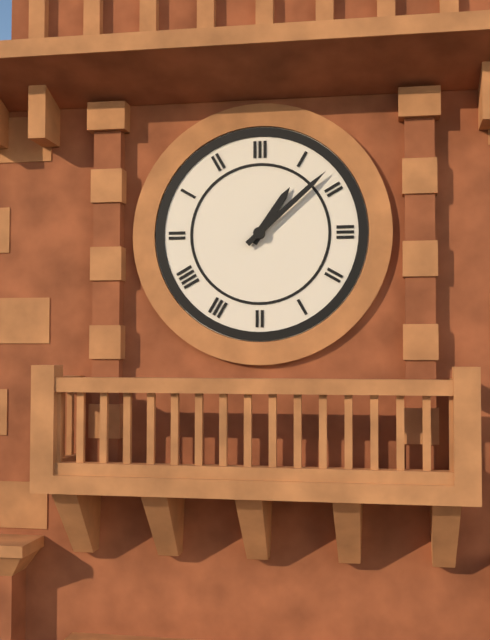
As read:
{"hour": 1, "minute": 8}
